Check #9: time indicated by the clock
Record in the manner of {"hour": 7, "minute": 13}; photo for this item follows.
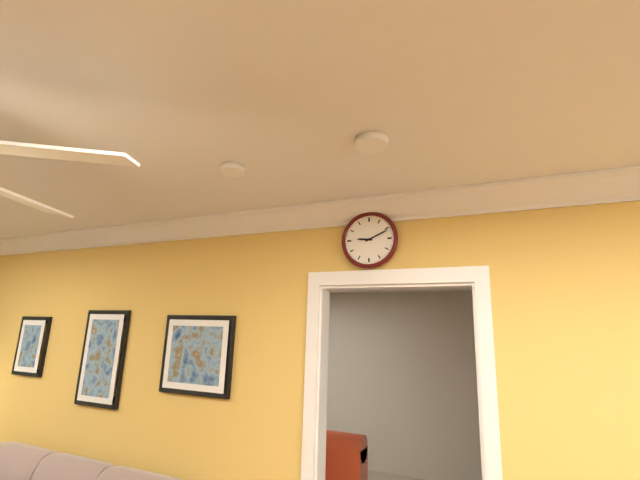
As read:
{"hour": 9, "minute": 11}
